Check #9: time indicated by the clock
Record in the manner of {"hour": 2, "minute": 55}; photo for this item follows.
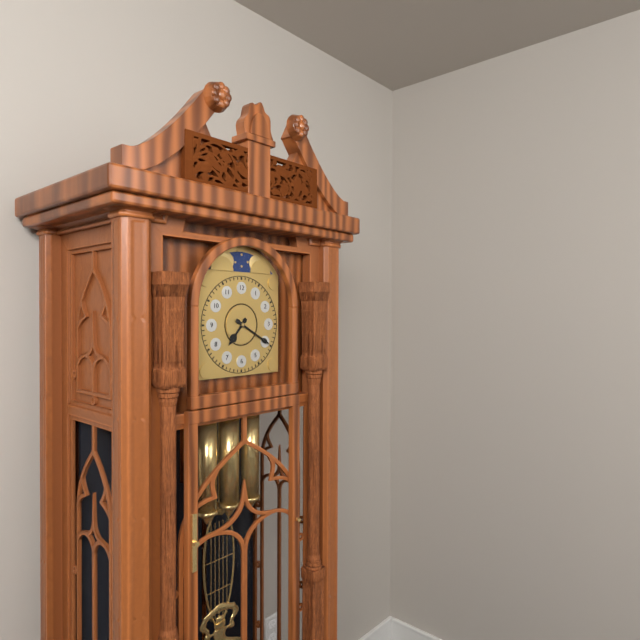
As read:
{"hour": 7, "minute": 20}
